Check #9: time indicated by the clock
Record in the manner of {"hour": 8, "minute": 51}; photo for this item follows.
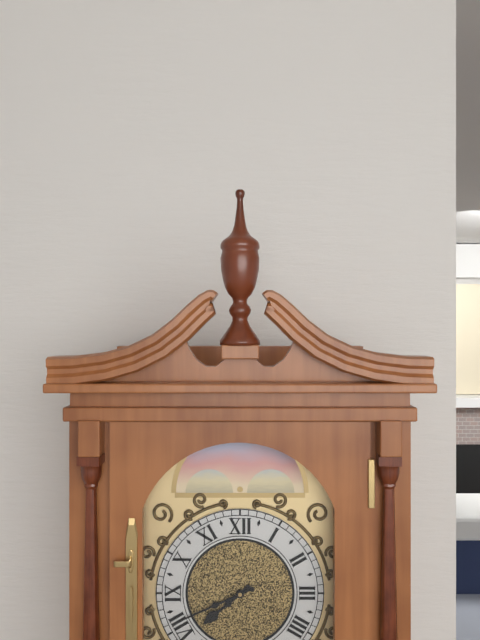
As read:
{"hour": 7, "minute": 41}
